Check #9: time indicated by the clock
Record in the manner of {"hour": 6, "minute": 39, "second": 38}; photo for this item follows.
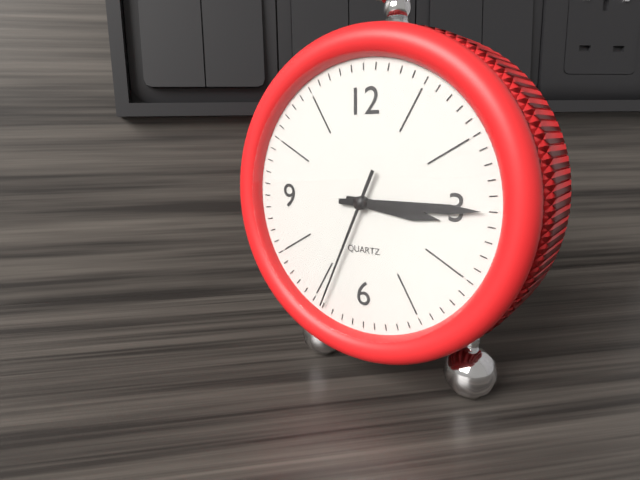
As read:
{"hour": 3, "minute": 15, "second": 34}
